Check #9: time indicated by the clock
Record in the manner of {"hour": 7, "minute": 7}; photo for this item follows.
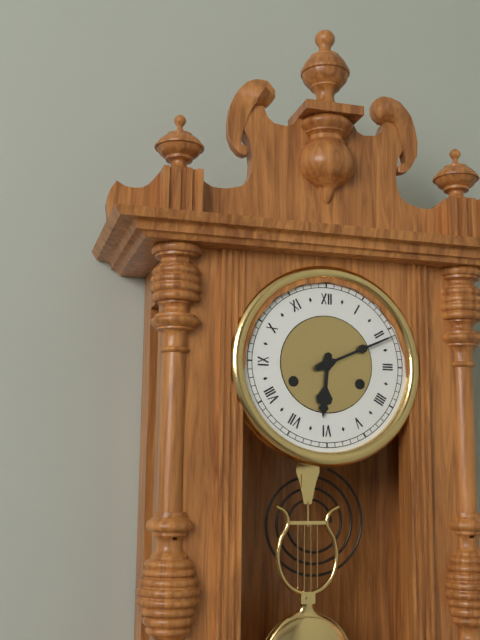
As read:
{"hour": 6, "minute": 11}
